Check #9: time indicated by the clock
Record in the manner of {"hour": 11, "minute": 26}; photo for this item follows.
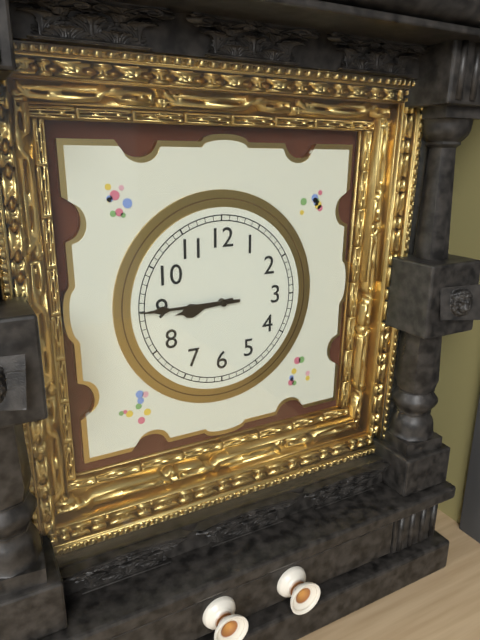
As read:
{"hour": 8, "minute": 45}
